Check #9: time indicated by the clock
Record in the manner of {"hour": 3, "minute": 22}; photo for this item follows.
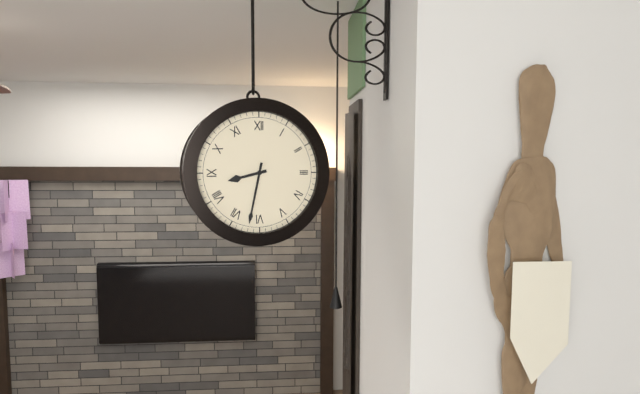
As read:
{"hour": 8, "minute": 32}
